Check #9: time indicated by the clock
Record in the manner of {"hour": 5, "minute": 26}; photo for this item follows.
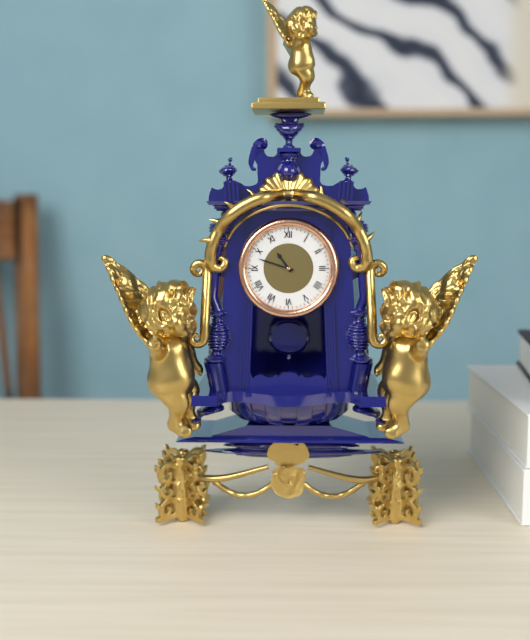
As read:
{"hour": 10, "minute": 48}
